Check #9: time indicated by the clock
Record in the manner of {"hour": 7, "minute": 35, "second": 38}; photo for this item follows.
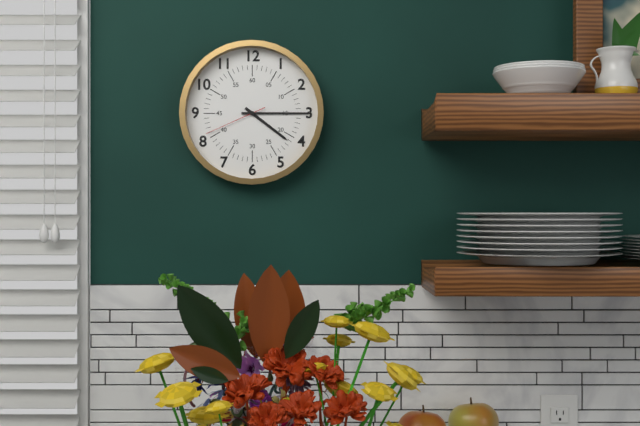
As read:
{"hour": 4, "minute": 15, "second": 41}
